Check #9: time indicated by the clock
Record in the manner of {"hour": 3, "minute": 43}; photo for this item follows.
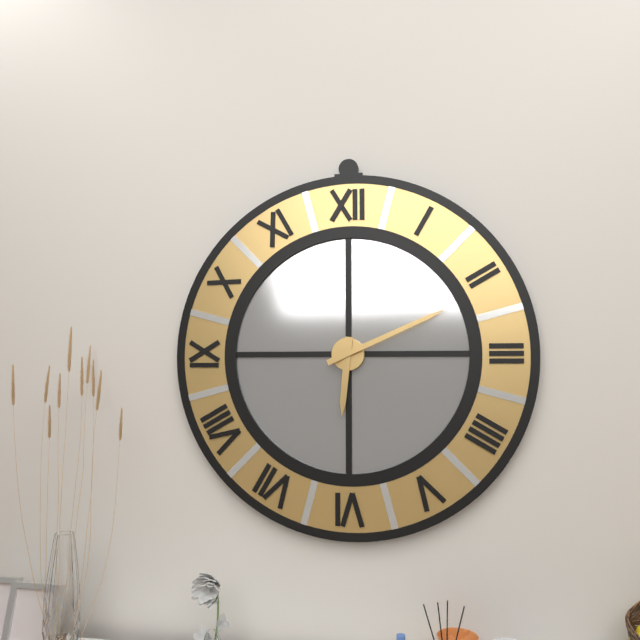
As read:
{"hour": 6, "minute": 11}
